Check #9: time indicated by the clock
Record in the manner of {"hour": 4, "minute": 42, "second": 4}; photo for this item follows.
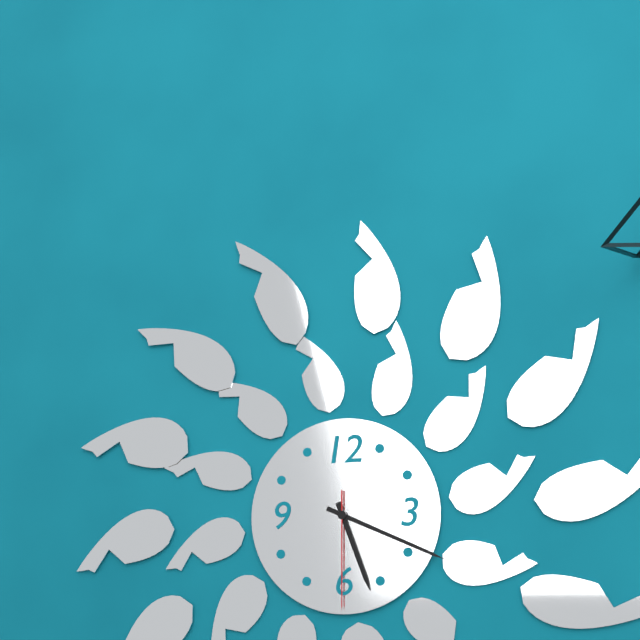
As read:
{"hour": 5, "minute": 19, "second": 30}
